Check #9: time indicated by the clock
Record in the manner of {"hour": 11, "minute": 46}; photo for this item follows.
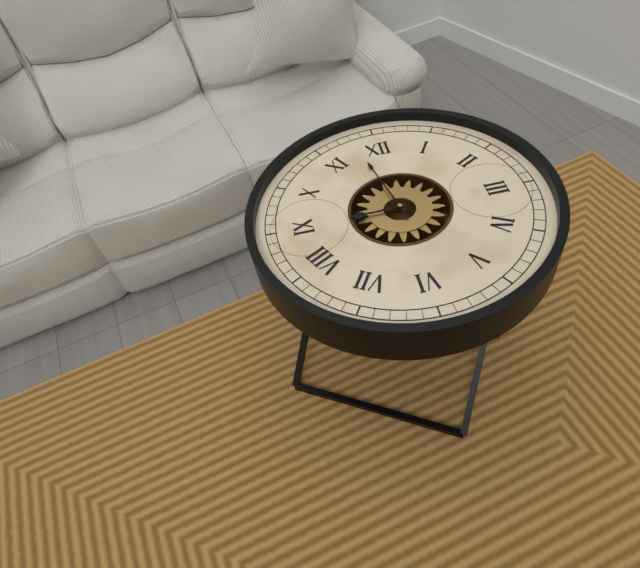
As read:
{"hour": 8, "minute": 58}
